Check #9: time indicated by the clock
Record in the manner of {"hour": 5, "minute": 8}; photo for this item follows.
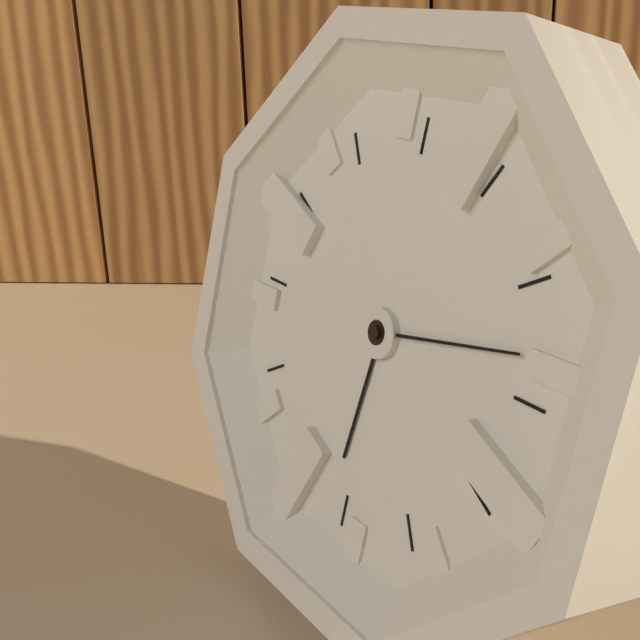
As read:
{"hour": 6, "minute": 13}
